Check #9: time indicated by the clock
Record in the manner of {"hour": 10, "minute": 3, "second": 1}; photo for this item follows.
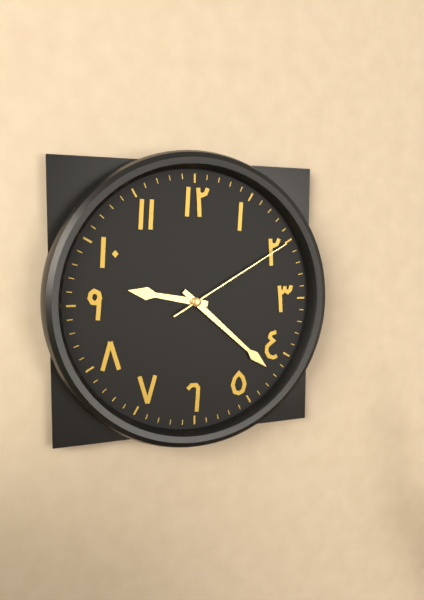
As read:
{"hour": 9, "minute": 22, "second": 10}
